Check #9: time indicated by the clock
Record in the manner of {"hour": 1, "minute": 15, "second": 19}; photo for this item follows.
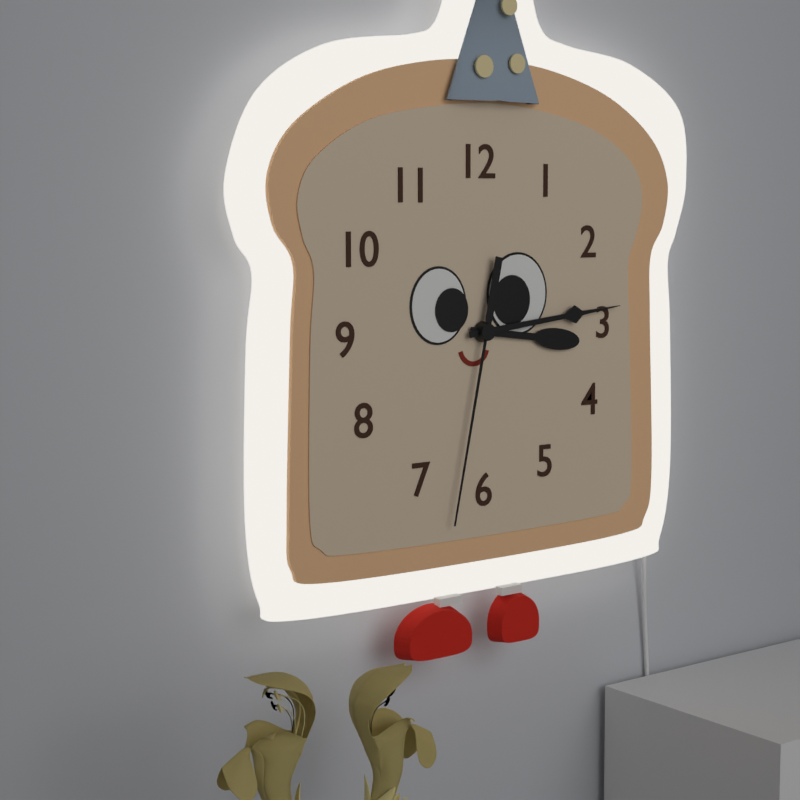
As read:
{"hour": 3, "minute": 14, "second": 32}
